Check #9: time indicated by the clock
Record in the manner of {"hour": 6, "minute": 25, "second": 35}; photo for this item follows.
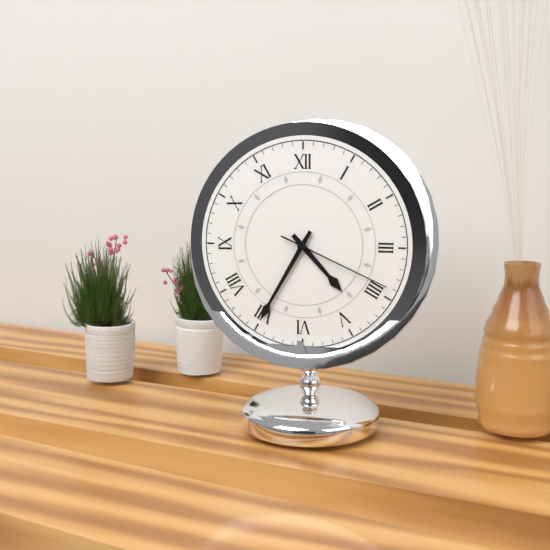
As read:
{"hour": 4, "minute": 35, "second": 19}
